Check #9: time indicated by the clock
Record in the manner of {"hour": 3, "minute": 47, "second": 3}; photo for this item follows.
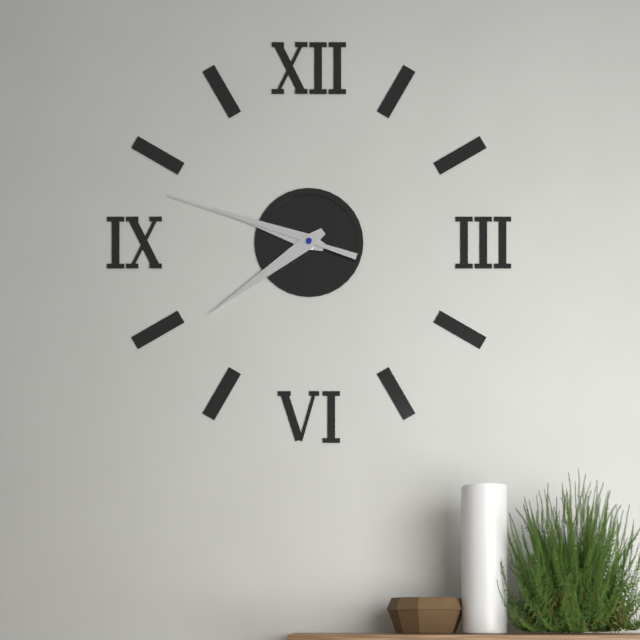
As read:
{"hour": 9, "minute": 39, "second": 48}
